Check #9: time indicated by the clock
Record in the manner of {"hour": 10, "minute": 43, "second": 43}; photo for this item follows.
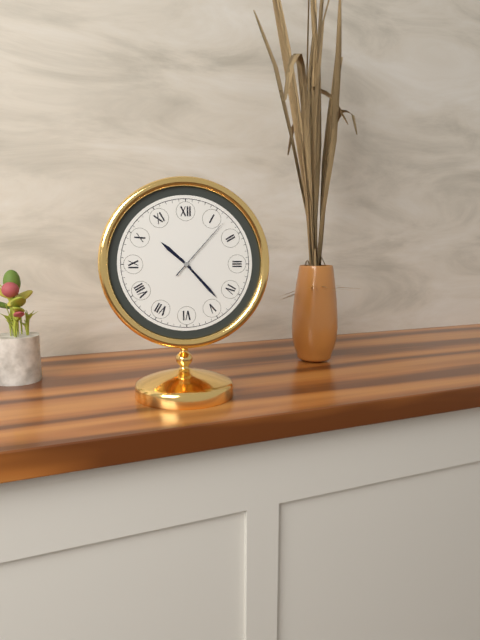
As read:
{"hour": 10, "minute": 23, "second": 7}
